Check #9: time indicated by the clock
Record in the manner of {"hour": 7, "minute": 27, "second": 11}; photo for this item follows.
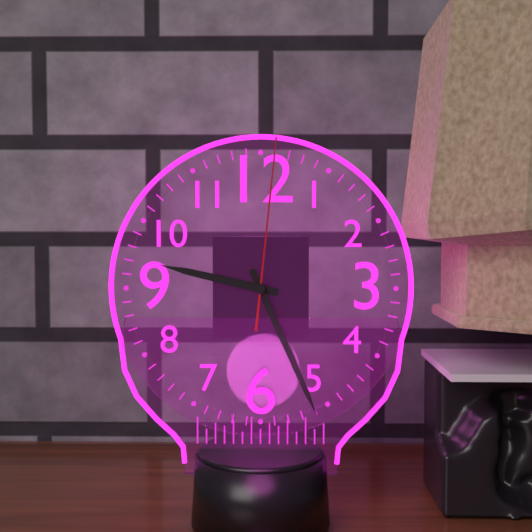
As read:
{"hour": 9, "minute": 26, "second": 1}
